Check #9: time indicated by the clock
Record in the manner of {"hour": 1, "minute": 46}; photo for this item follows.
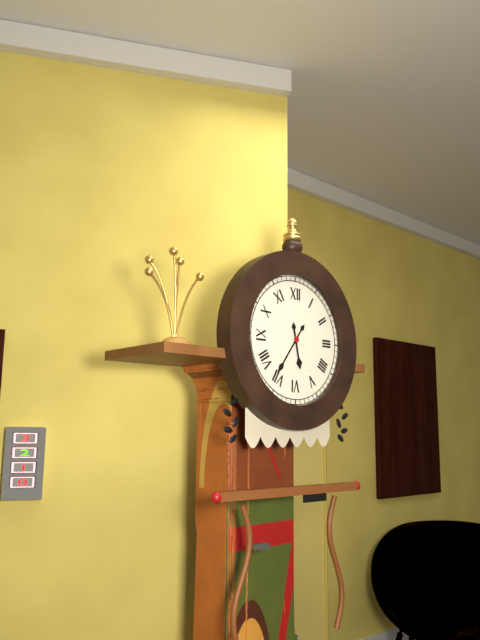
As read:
{"hour": 5, "minute": 36}
